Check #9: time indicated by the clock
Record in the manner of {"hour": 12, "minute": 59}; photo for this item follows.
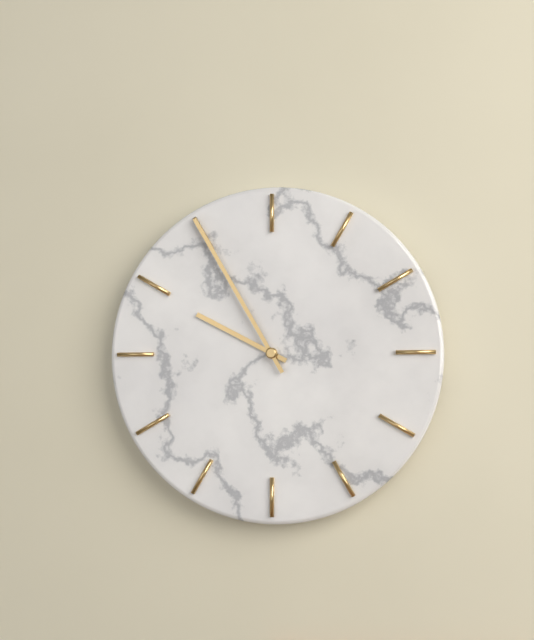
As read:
{"hour": 9, "minute": 55}
